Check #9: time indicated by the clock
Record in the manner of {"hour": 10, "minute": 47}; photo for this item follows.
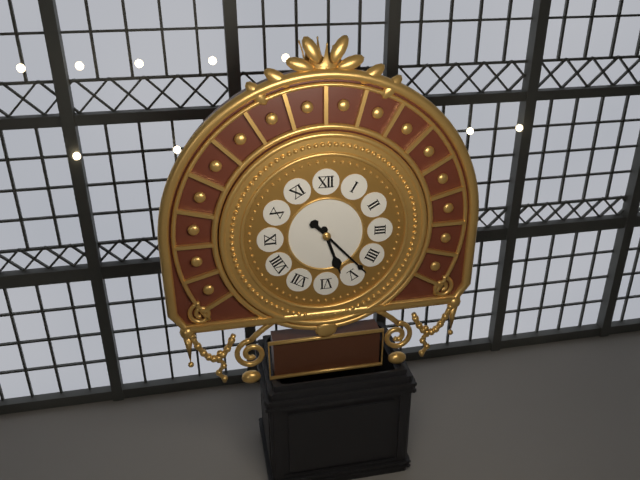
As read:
{"hour": 5, "minute": 23}
